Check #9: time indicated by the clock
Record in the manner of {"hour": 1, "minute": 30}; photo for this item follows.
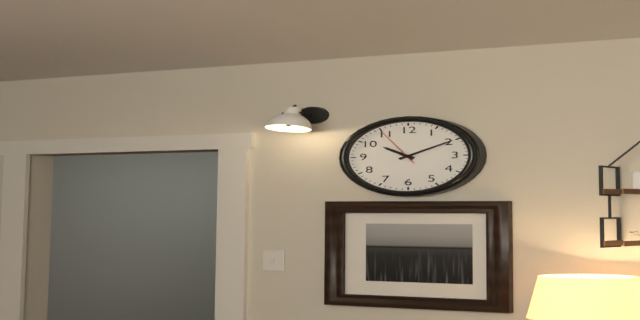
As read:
{"hour": 10, "minute": 10}
